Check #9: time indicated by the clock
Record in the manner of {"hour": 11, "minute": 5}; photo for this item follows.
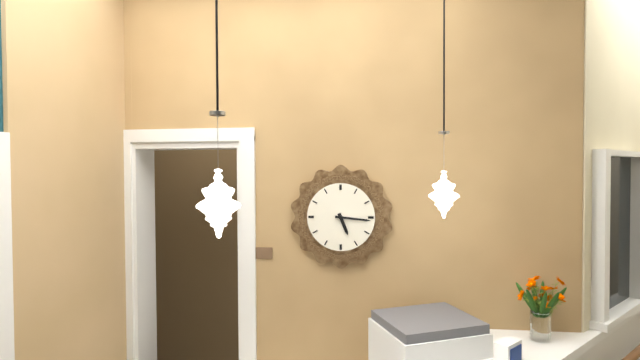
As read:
{"hour": 5, "minute": 16}
